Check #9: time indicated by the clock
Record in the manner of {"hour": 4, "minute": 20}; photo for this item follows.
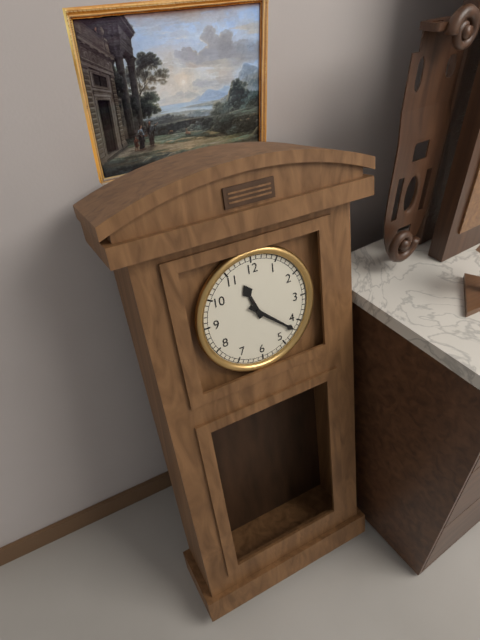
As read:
{"hour": 11, "minute": 22}
